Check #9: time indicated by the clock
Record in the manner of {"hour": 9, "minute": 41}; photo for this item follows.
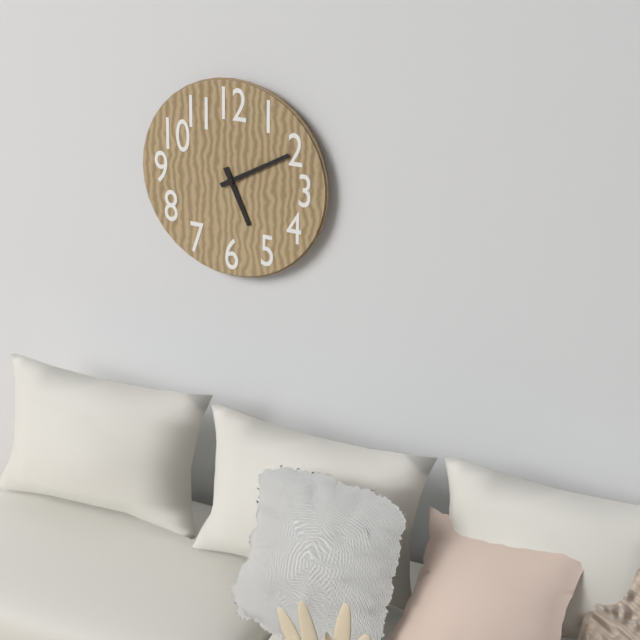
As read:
{"hour": 5, "minute": 10}
